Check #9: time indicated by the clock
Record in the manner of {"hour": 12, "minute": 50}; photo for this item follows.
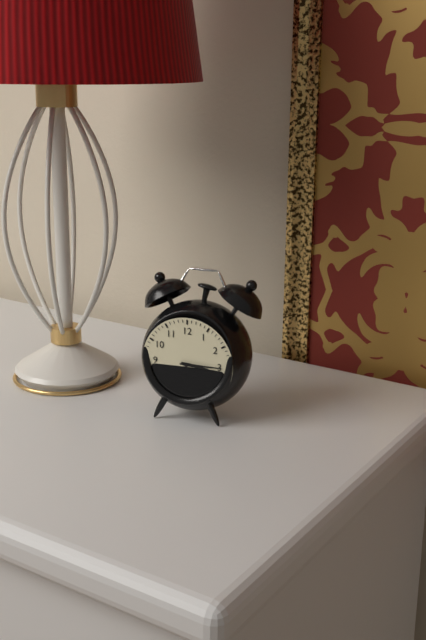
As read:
{"hour": 3, "minute": 15}
